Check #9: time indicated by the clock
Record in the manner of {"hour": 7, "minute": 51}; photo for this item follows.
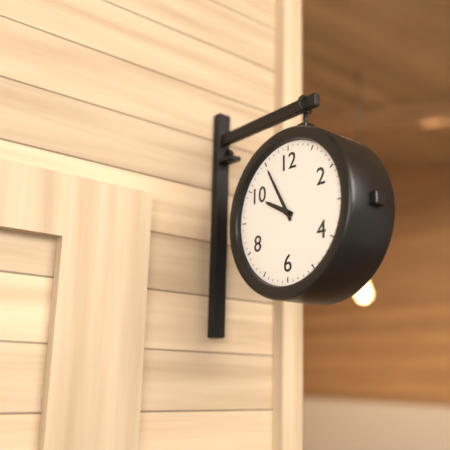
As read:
{"hour": 9, "minute": 55}
